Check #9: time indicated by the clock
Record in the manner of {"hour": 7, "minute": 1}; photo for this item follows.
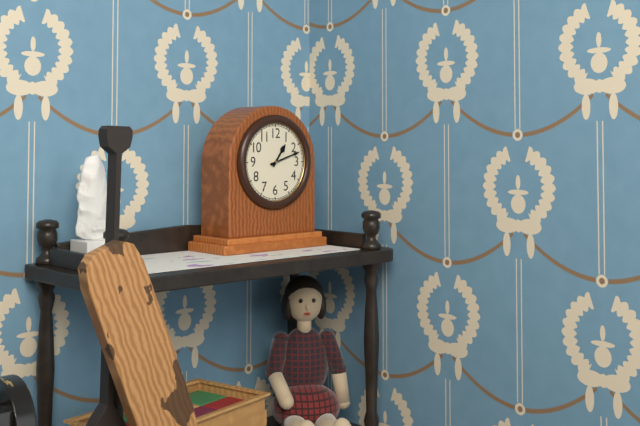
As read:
{"hour": 1, "minute": 12}
